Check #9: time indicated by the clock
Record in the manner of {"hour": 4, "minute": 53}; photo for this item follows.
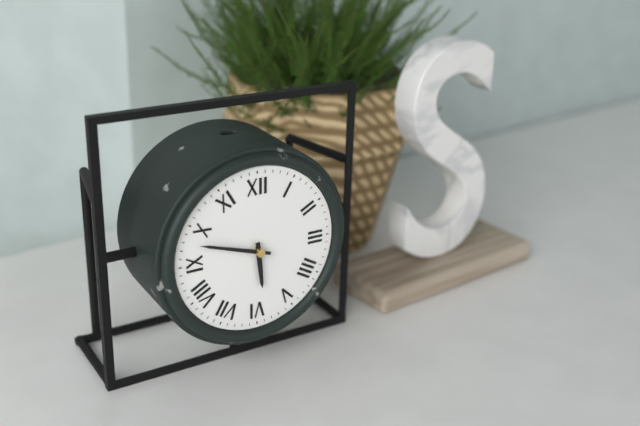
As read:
{"hour": 5, "minute": 48}
